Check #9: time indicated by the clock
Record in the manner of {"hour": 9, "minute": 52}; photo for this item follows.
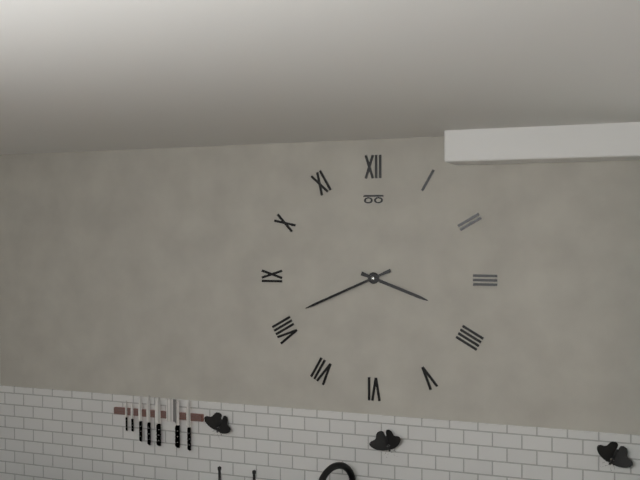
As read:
{"hour": 3, "minute": 41}
